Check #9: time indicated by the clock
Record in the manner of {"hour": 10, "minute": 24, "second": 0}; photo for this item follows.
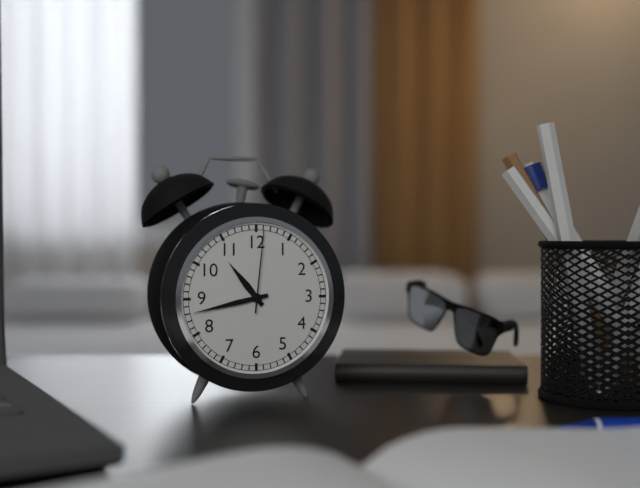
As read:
{"hour": 10, "minute": 43, "second": 1}
